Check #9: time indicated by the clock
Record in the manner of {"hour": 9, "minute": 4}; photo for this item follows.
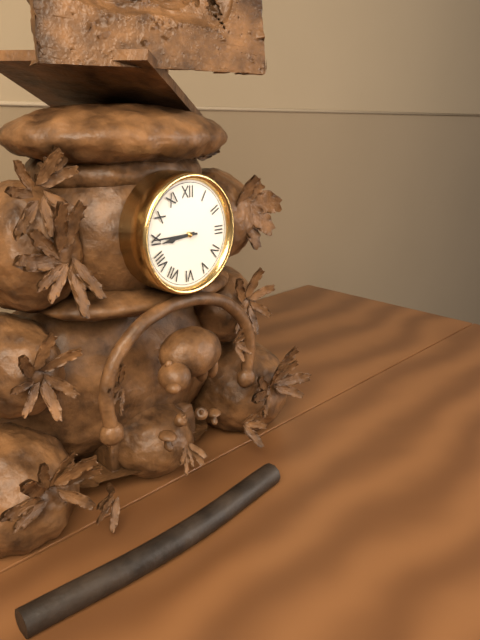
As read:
{"hour": 8, "minute": 45}
